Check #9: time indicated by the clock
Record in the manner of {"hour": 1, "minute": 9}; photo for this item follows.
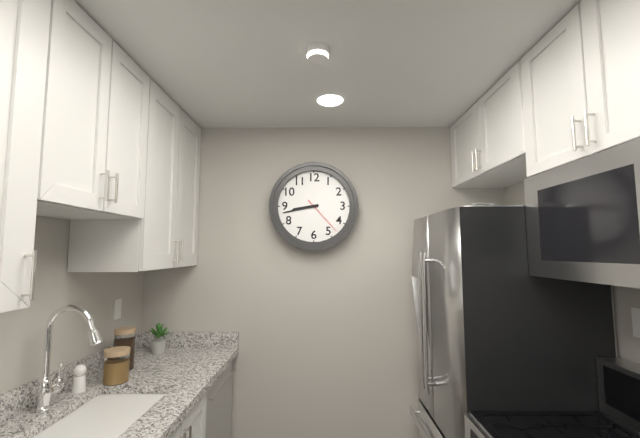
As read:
{"hour": 8, "minute": 43}
